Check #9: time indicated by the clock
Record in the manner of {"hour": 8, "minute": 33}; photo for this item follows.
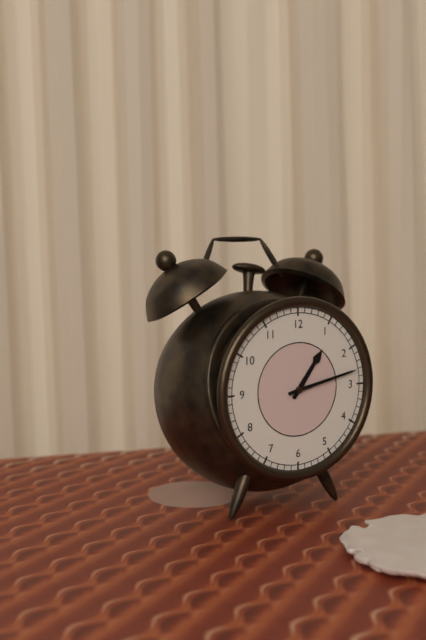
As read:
{"hour": 1, "minute": 13}
